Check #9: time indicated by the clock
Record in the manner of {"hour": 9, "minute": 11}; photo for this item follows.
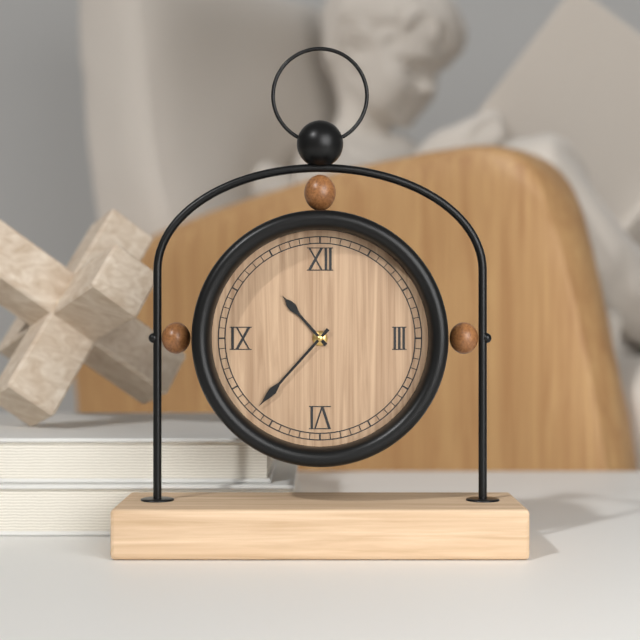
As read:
{"hour": 10, "minute": 37}
